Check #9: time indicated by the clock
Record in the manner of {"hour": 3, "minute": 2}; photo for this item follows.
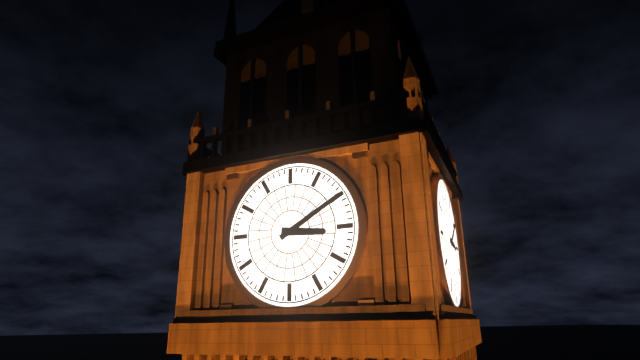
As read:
{"hour": 3, "minute": 10}
